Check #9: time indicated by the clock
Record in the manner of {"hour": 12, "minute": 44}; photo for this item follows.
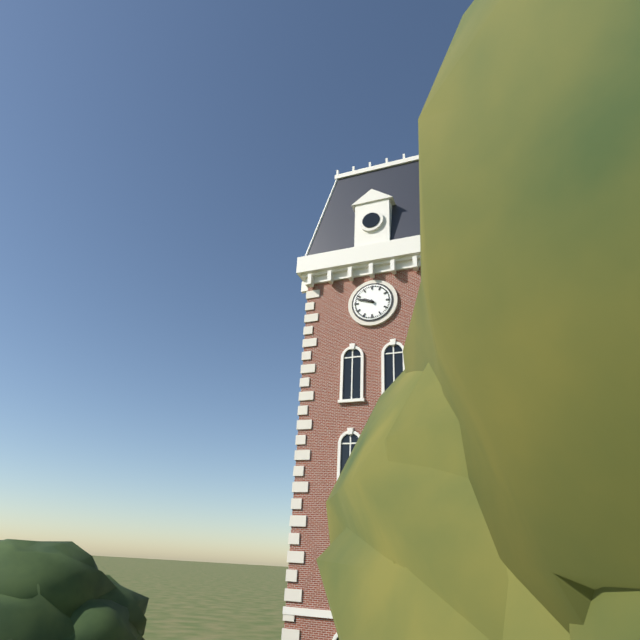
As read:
{"hour": 9, "minute": 48}
